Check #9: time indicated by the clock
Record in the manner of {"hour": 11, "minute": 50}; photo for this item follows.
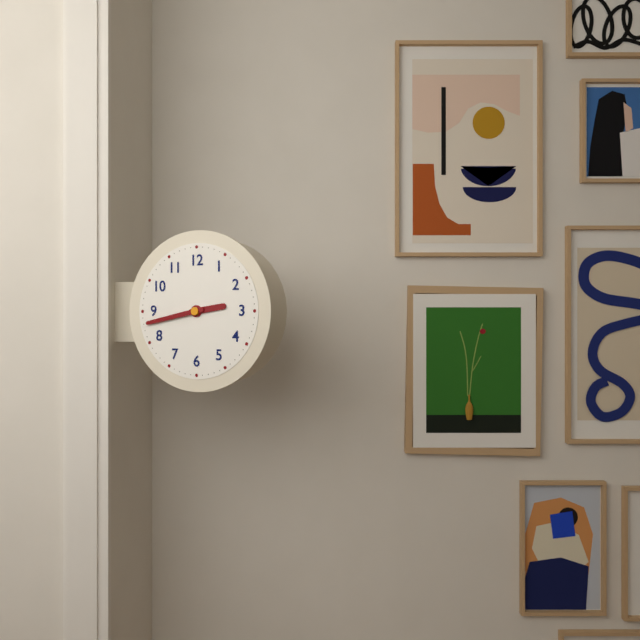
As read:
{"hour": 2, "minute": 43}
